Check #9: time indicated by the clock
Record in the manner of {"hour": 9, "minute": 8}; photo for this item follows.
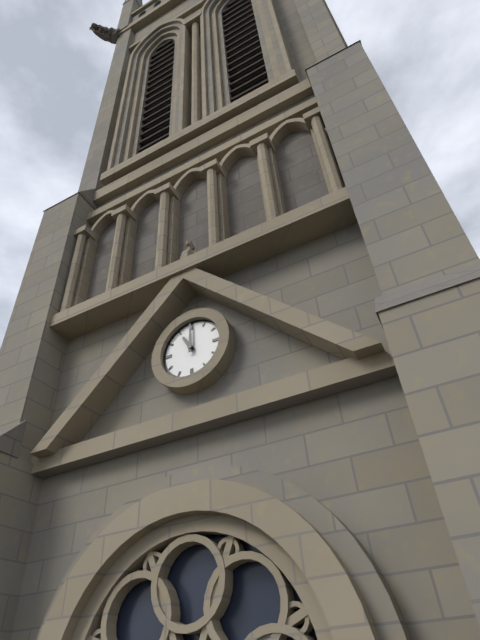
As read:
{"hour": 11, "minute": 0}
